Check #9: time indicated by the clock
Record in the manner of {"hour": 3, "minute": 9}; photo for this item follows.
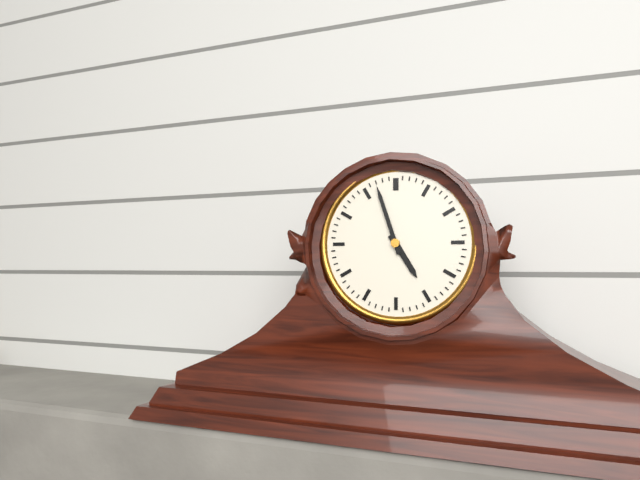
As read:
{"hour": 4, "minute": 57}
